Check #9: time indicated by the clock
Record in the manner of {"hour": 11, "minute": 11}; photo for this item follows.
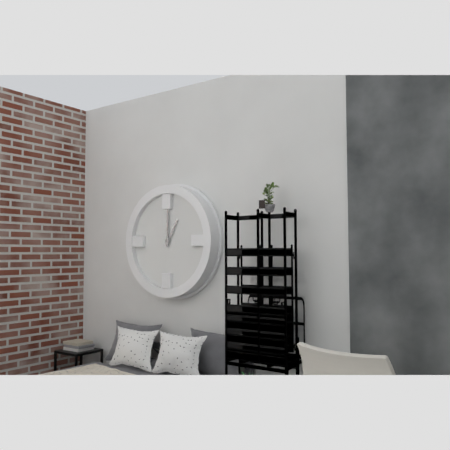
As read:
{"hour": 1, "minute": 0}
